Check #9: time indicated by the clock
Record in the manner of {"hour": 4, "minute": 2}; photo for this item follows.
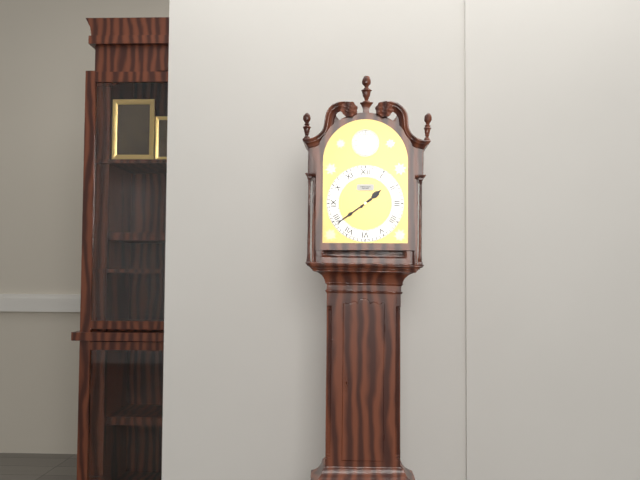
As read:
{"hour": 1, "minute": 39}
